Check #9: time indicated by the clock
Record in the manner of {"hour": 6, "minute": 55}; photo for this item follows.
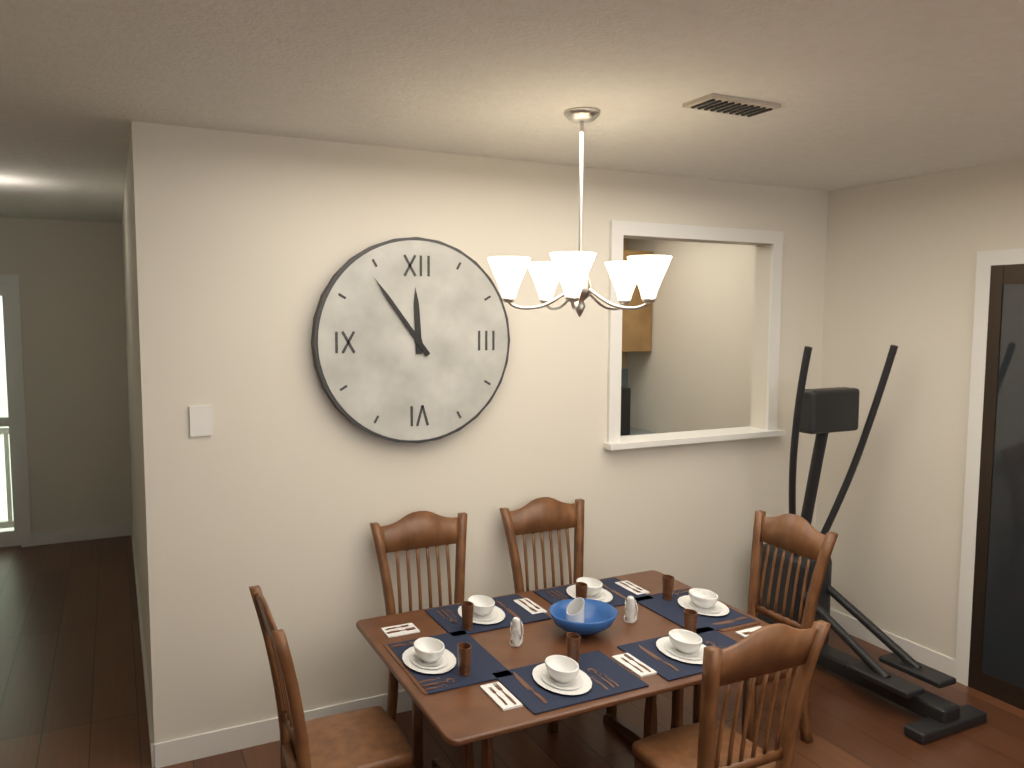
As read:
{"hour": 11, "minute": 54}
